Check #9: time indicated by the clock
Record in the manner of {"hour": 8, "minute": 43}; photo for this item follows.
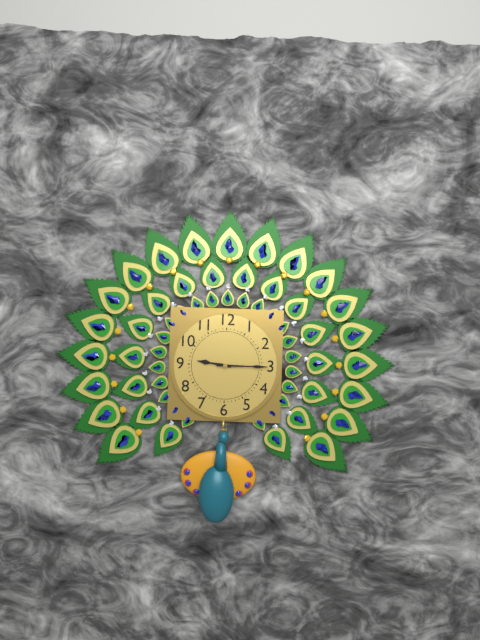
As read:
{"hour": 9, "minute": 15}
